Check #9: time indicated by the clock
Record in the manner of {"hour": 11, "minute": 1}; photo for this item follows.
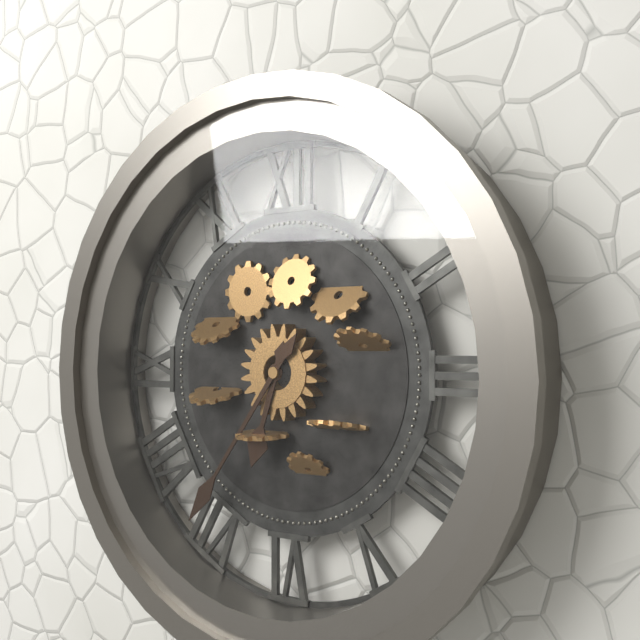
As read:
{"hour": 6, "minute": 36}
